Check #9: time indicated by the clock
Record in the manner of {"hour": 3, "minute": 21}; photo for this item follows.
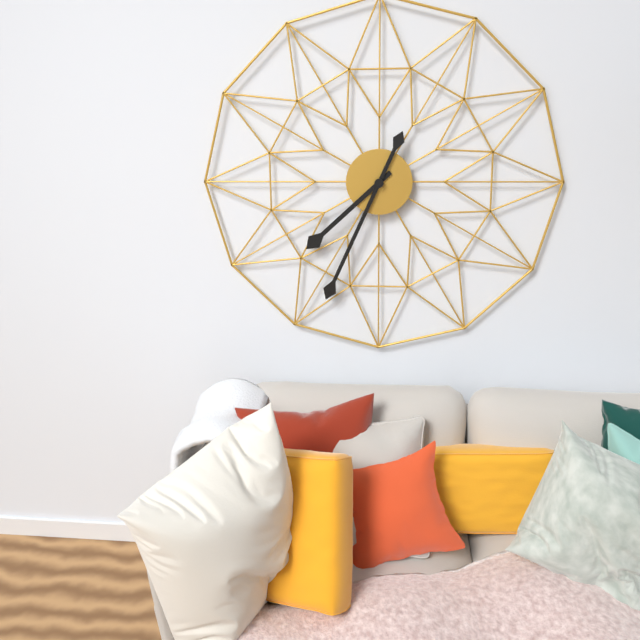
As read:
{"hour": 7, "minute": 34}
